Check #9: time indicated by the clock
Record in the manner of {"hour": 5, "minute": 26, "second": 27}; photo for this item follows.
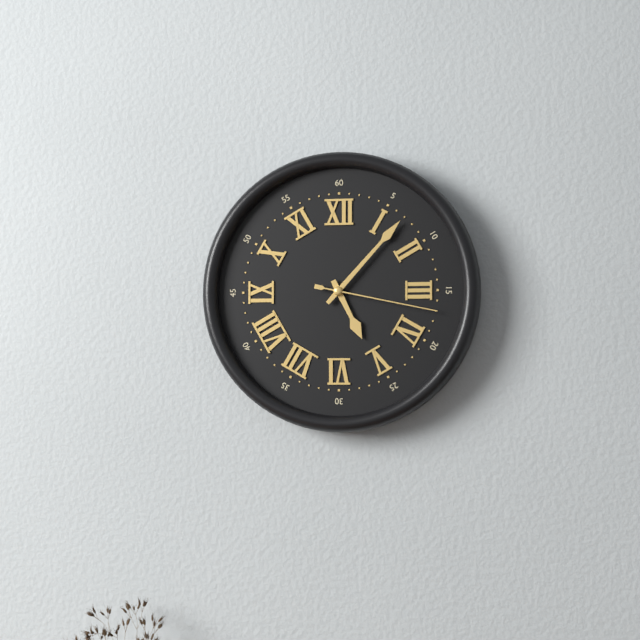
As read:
{"hour": 5, "minute": 7, "second": 17}
